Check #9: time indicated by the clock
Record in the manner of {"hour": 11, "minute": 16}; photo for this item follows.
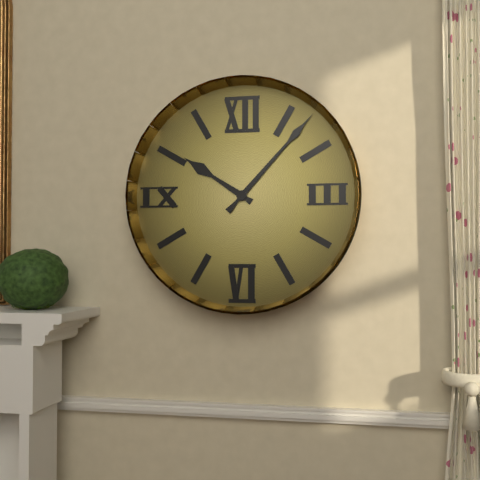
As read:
{"hour": 10, "minute": 7}
